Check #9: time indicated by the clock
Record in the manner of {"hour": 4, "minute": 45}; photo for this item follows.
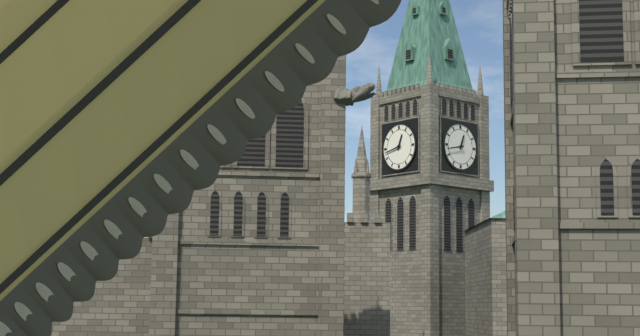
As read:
{"hour": 12, "minute": 43}
